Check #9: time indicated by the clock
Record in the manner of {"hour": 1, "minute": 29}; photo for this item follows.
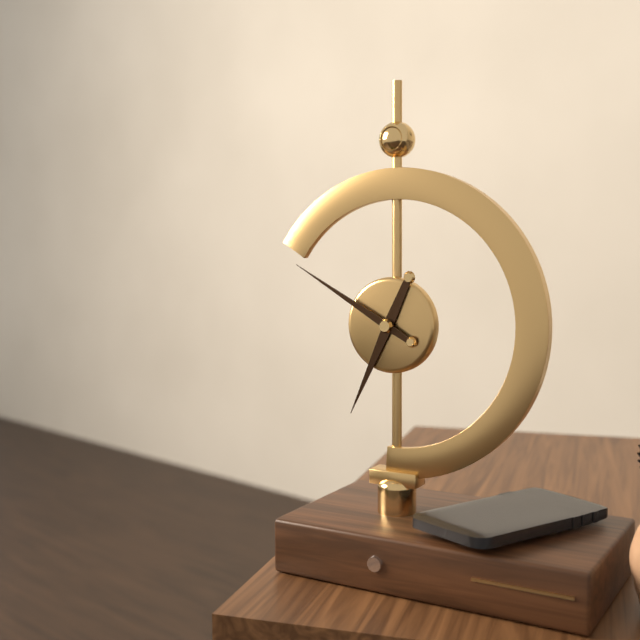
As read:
{"hour": 6, "minute": 50}
